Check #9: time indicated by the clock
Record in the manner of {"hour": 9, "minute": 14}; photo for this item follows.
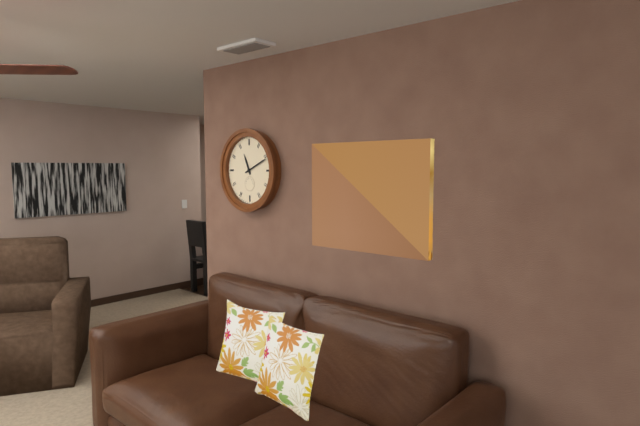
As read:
{"hour": 11, "minute": 11}
